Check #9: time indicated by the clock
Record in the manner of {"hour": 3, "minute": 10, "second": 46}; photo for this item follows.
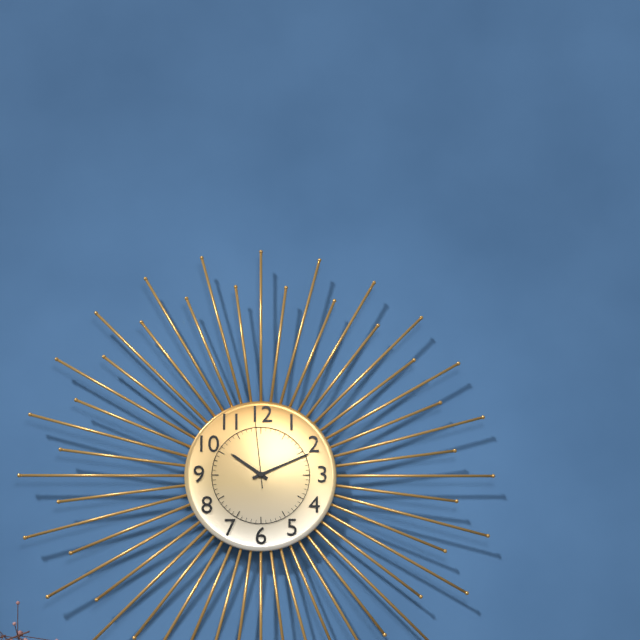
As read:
{"hour": 10, "minute": 11, "second": 59}
